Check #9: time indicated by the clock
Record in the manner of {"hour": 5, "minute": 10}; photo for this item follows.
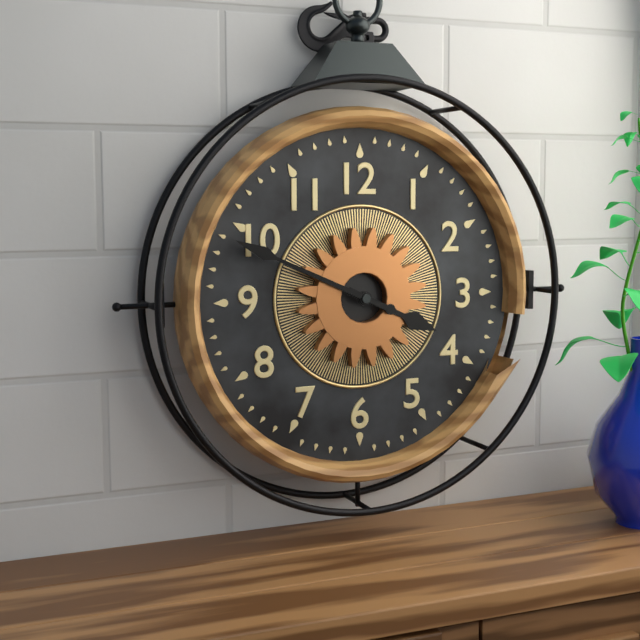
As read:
{"hour": 3, "minute": 49}
